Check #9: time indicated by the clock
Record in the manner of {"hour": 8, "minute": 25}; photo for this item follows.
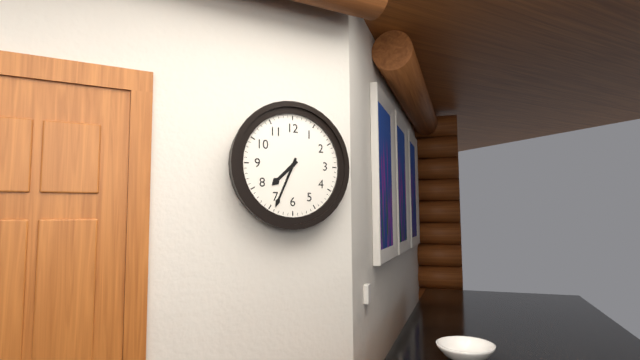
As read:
{"hour": 7, "minute": 34}
